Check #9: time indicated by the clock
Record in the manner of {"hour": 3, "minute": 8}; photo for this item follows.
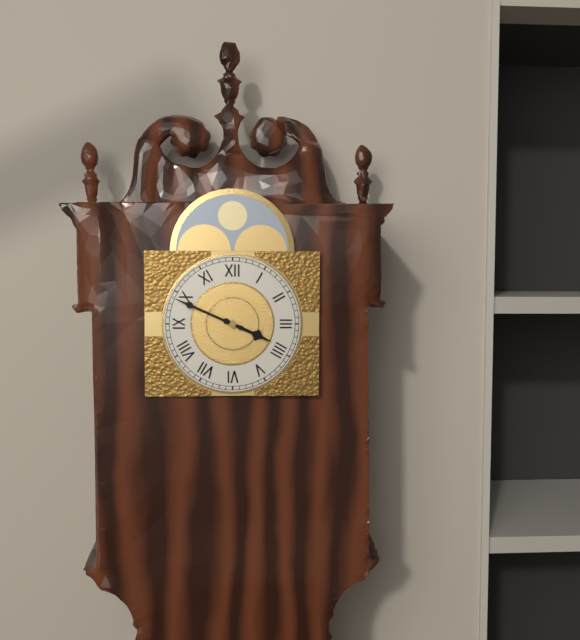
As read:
{"hour": 3, "minute": 49}
